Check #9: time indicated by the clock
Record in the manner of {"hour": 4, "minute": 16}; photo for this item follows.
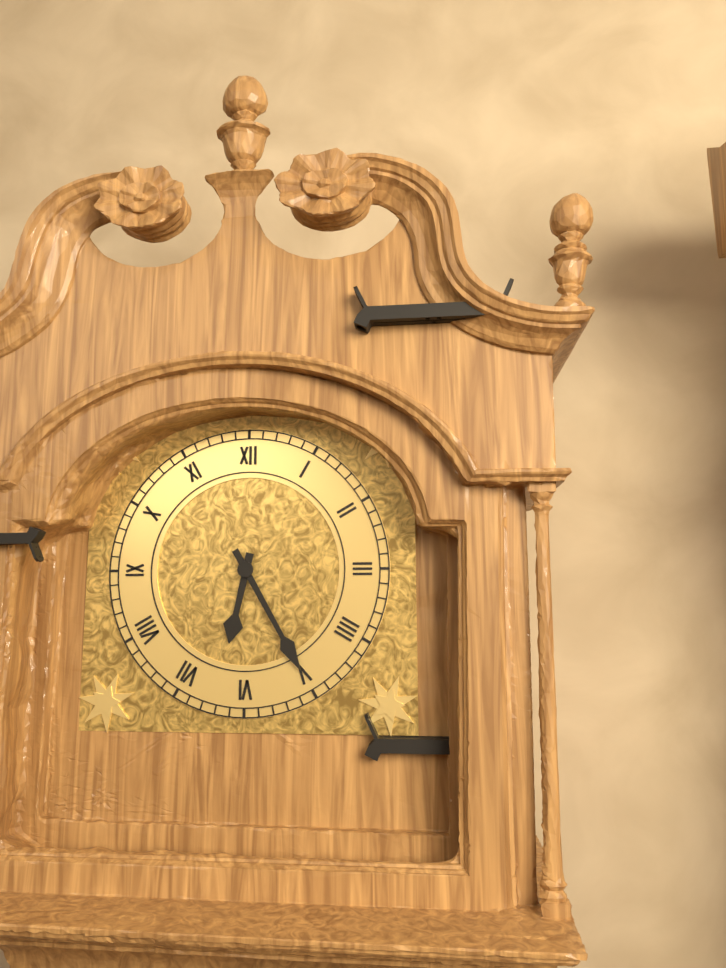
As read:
{"hour": 6, "minute": 25}
